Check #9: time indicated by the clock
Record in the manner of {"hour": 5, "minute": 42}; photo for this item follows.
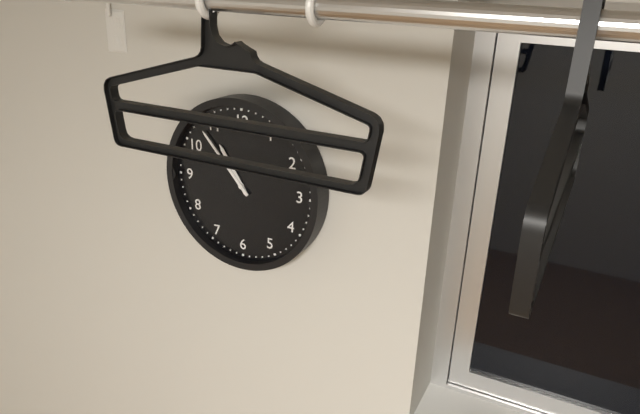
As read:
{"hour": 10, "minute": 53}
